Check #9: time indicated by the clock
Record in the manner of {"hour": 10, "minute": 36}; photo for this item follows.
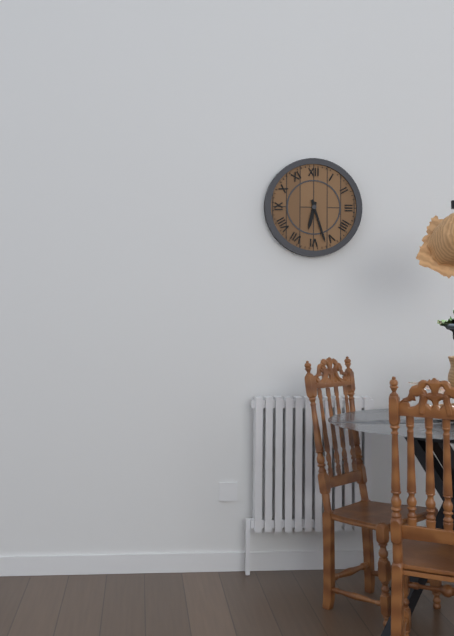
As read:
{"hour": 6, "minute": 27}
